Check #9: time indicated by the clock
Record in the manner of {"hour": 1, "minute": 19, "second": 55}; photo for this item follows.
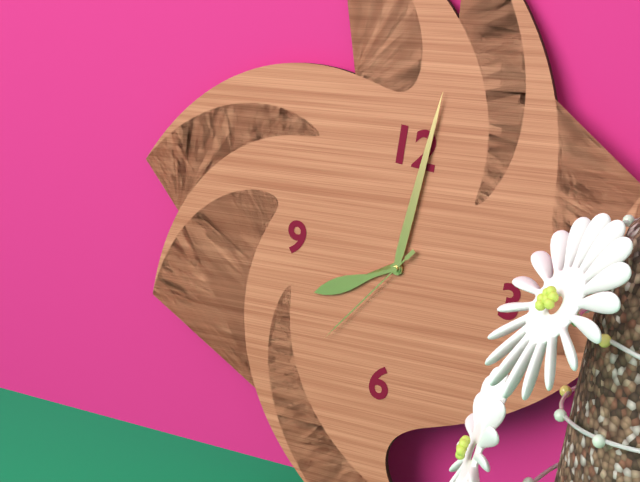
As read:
{"hour": 8, "minute": 1, "second": 36}
